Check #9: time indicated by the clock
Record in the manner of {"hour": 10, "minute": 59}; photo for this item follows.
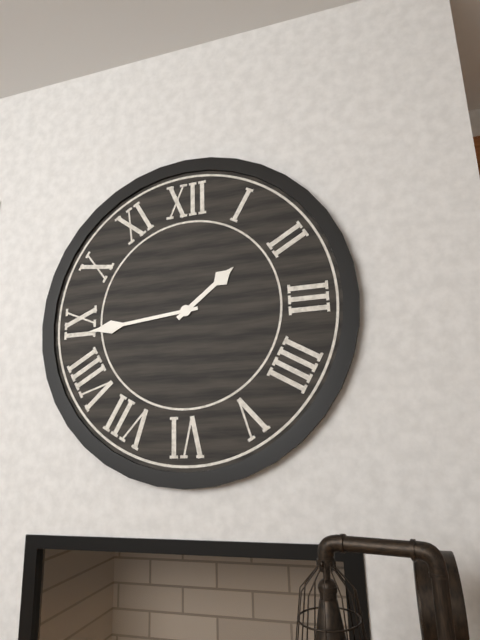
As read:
{"hour": 1, "minute": 44}
